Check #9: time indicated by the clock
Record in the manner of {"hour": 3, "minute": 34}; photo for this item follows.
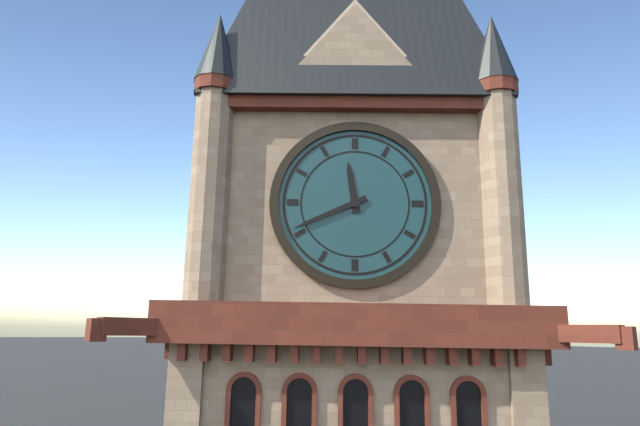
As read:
{"hour": 11, "minute": 41}
